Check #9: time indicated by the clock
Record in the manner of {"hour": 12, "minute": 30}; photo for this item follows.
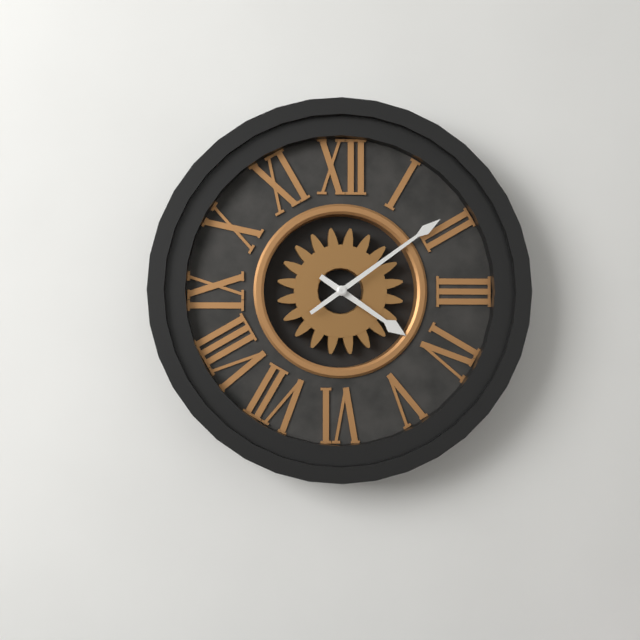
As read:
{"hour": 4, "minute": 9}
